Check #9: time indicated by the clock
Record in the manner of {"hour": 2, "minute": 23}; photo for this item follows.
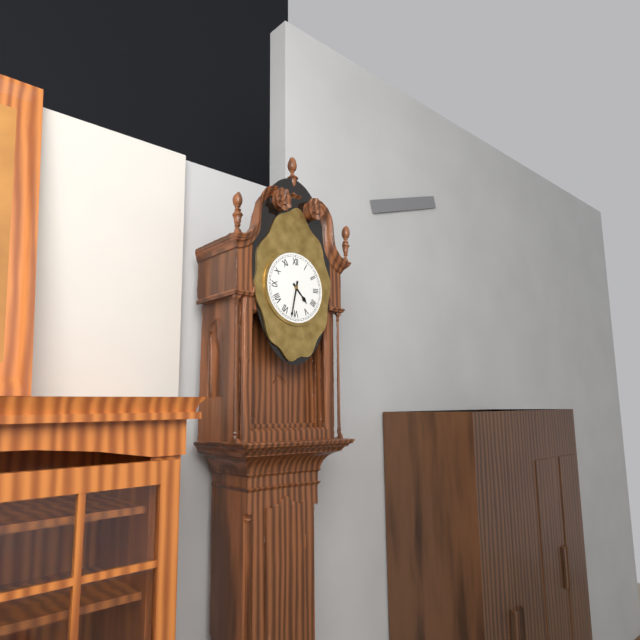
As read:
{"hour": 4, "minute": 32}
